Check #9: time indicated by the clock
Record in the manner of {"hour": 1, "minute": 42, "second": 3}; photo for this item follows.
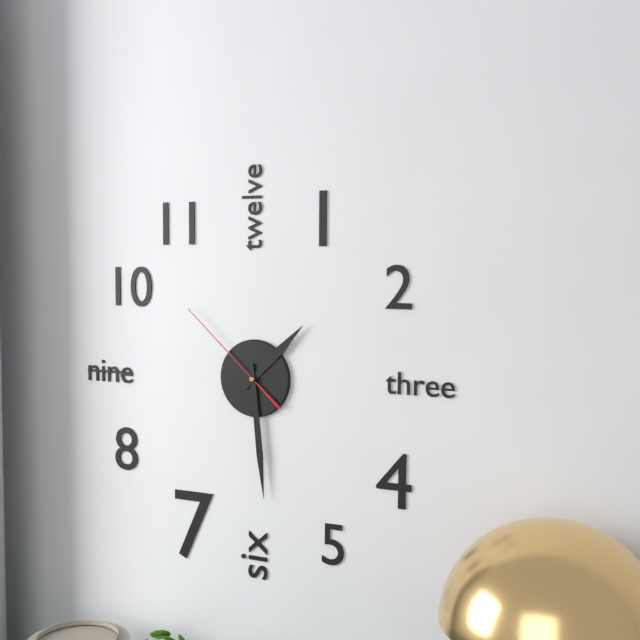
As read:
{"hour": 1, "minute": 29, "second": 52}
